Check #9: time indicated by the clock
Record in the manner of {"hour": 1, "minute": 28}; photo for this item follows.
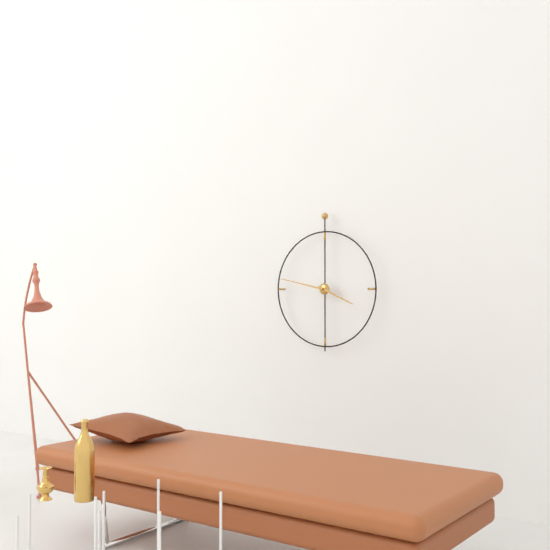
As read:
{"hour": 3, "minute": 47}
